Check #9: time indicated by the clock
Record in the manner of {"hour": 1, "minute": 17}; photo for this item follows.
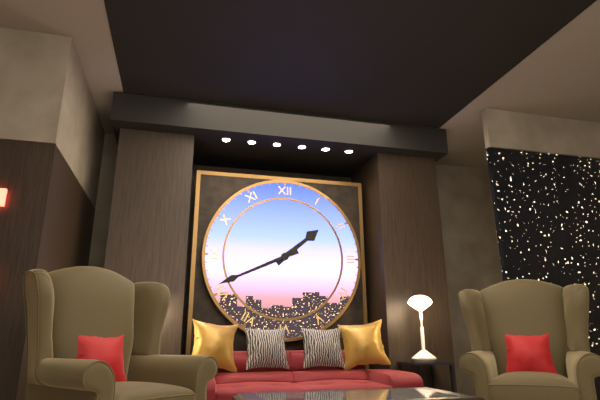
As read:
{"hour": 1, "minute": 41}
